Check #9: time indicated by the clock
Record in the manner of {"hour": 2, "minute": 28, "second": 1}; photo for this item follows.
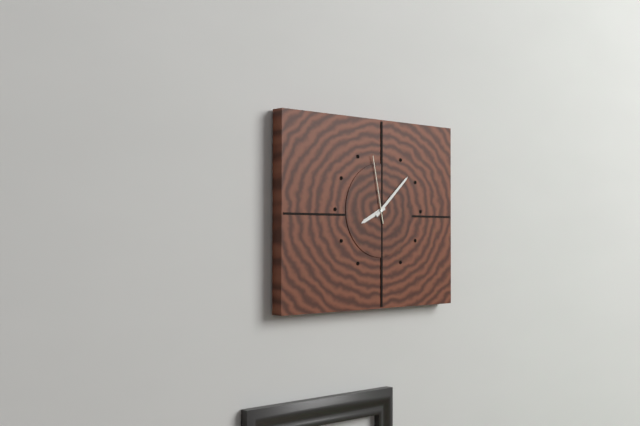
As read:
{"hour": 8, "minute": 8, "second": 58}
